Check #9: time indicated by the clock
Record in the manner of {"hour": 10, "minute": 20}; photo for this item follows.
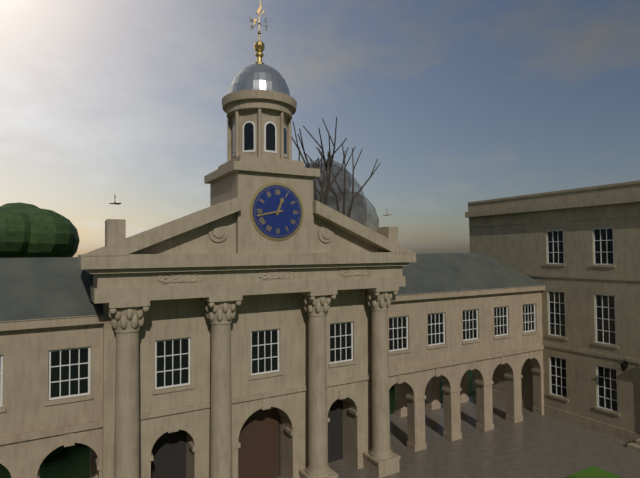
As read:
{"hour": 12, "minute": 43}
